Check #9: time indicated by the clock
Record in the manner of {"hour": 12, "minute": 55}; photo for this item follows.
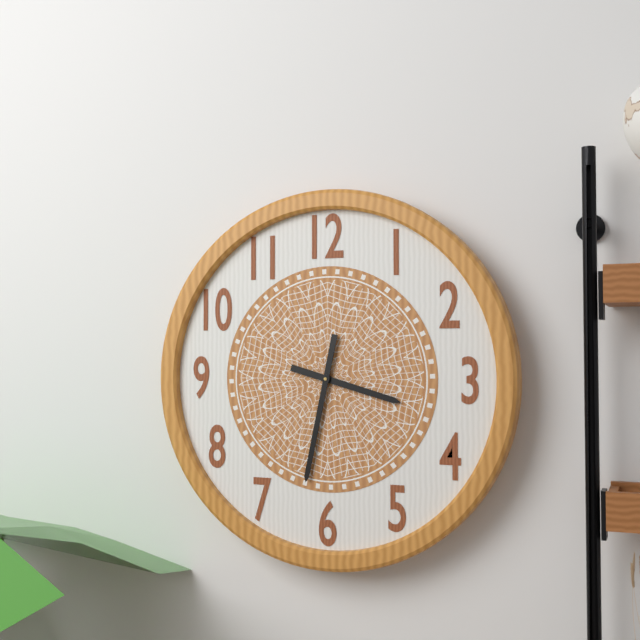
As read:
{"hour": 3, "minute": 32}
